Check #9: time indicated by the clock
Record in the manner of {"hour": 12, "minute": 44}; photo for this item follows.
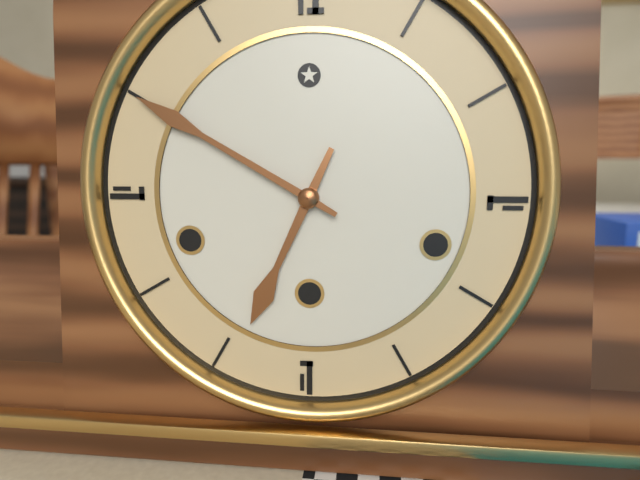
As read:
{"hour": 6, "minute": 50}
